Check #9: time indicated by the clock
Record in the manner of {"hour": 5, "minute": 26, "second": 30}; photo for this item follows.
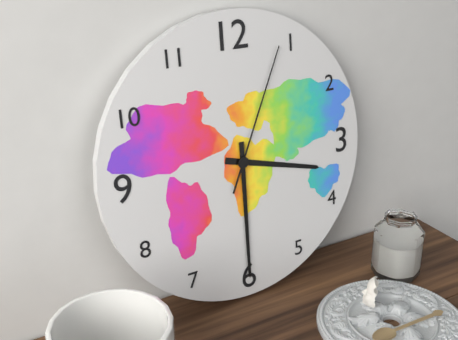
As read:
{"hour": 3, "minute": 30, "second": 4}
